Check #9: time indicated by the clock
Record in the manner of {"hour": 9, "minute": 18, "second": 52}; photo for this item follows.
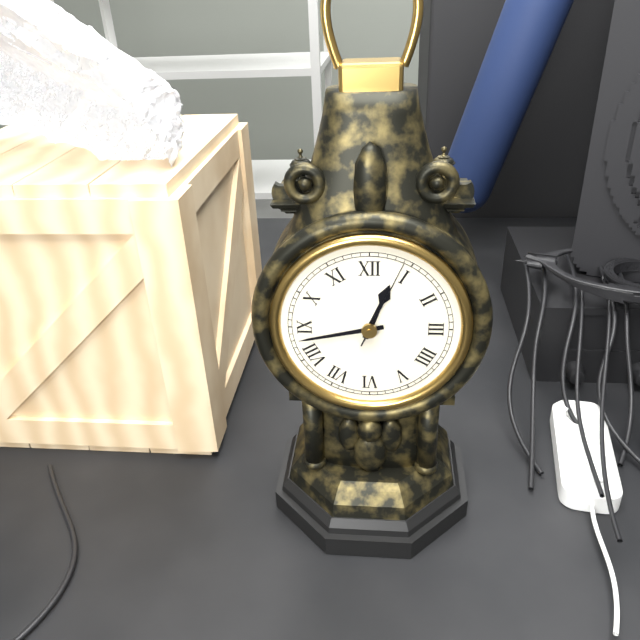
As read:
{"hour": 12, "minute": 43, "second": 4}
